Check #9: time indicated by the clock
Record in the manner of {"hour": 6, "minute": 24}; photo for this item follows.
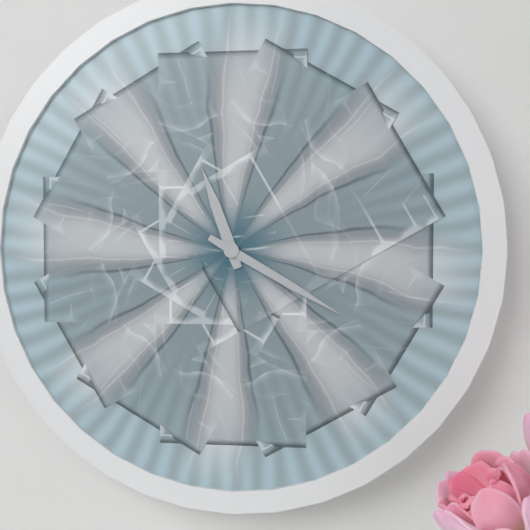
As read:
{"hour": 11, "minute": 20}
